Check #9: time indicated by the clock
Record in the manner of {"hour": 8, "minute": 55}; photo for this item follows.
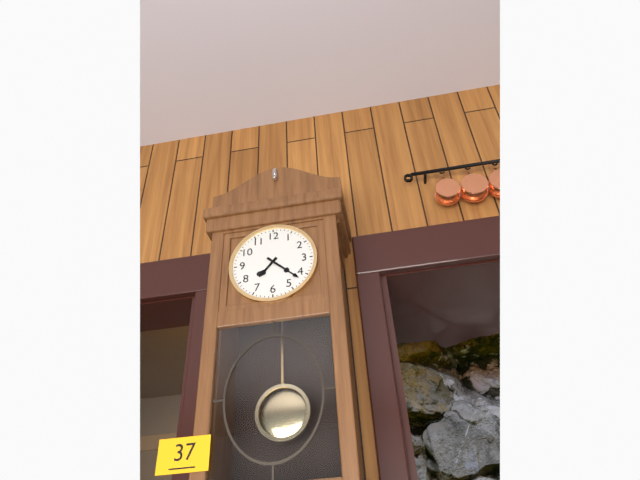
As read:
{"hour": 7, "minute": 22}
